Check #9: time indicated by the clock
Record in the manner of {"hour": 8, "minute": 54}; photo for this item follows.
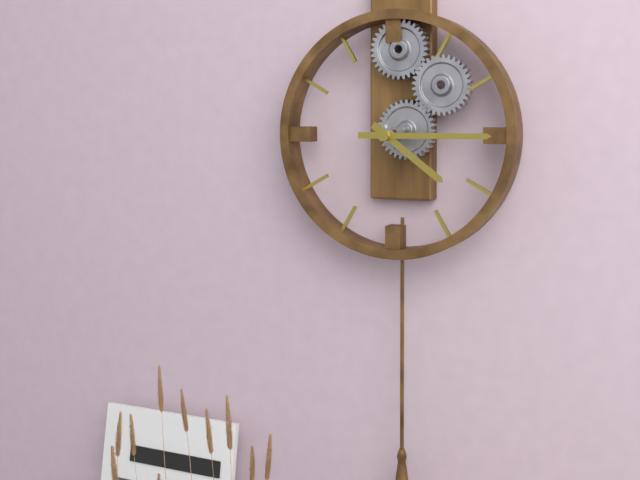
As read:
{"hour": 4, "minute": 15}
